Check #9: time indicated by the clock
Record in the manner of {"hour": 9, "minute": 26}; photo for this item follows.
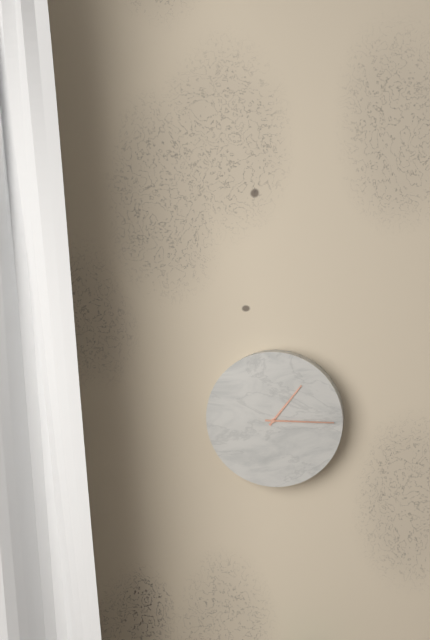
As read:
{"hour": 1, "minute": 15}
